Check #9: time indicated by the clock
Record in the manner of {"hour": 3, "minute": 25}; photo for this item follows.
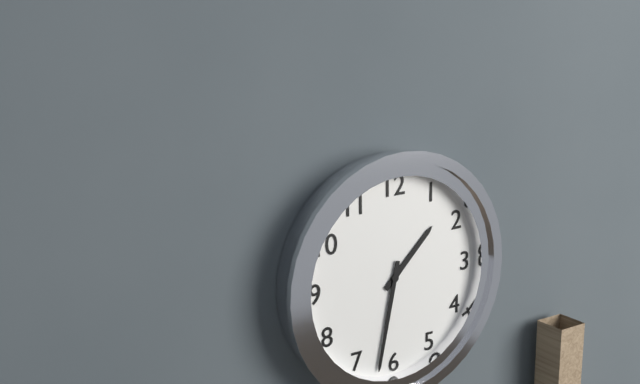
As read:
{"hour": 1, "minute": 32}
